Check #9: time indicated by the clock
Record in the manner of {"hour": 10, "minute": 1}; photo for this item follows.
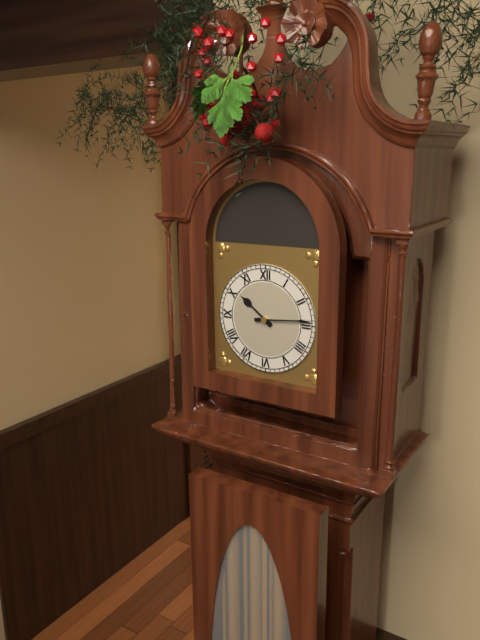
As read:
{"hour": 10, "minute": 14}
